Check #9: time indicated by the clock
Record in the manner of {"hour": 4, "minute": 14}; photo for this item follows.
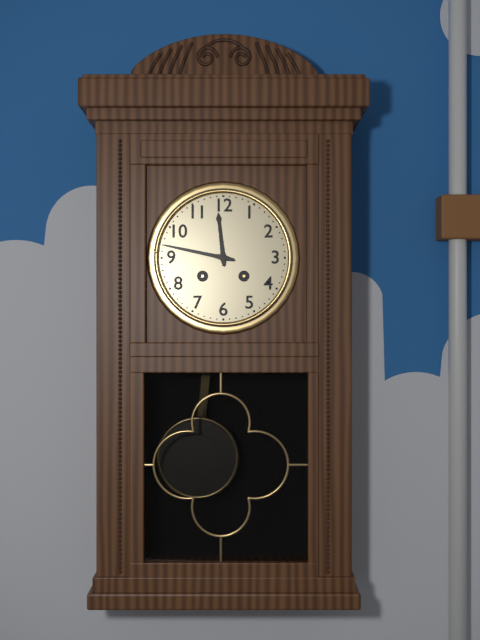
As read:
{"hour": 11, "minute": 47}
